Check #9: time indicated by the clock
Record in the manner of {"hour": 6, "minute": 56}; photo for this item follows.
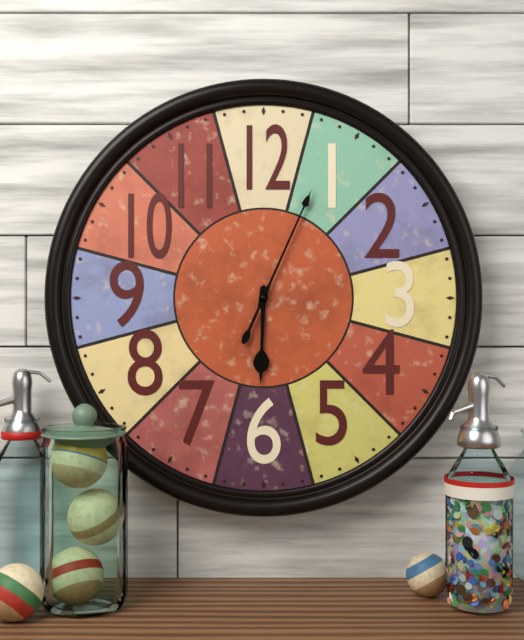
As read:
{"hour": 6, "minute": 4}
